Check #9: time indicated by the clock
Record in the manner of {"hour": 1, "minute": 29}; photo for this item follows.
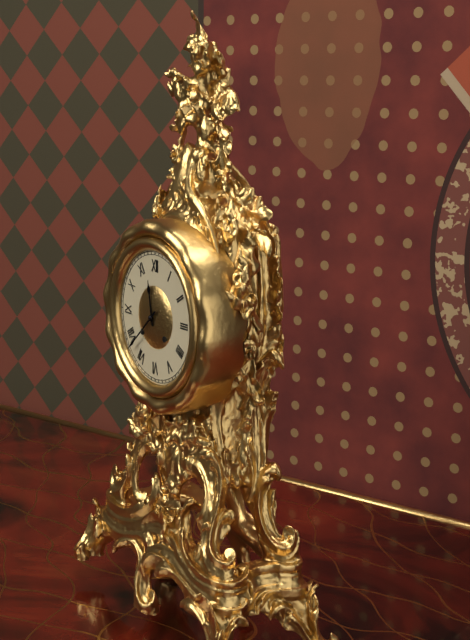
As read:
{"hour": 11, "minute": 38}
